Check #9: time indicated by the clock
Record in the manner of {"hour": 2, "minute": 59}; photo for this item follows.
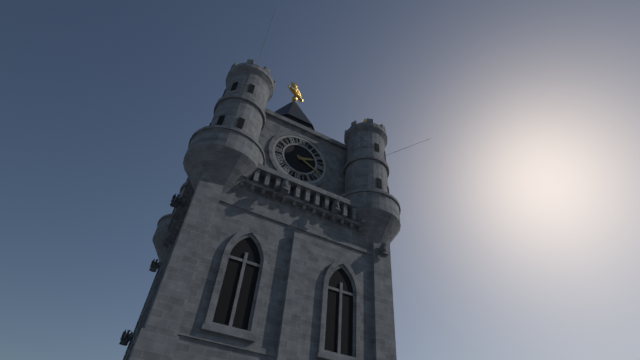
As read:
{"hour": 2, "minute": 19}
